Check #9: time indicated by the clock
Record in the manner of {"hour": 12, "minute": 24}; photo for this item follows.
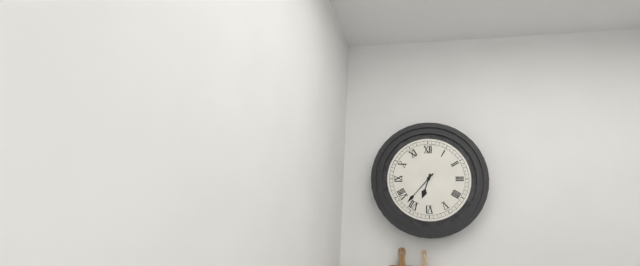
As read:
{"hour": 6, "minute": 37}
